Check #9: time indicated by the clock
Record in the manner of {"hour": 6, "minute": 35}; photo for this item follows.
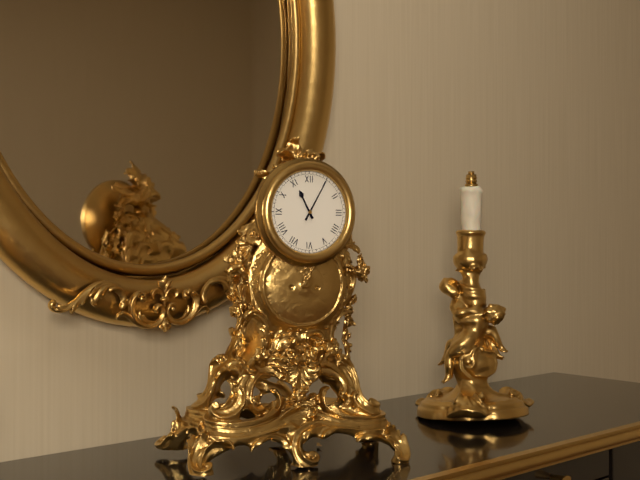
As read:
{"hour": 11, "minute": 5}
